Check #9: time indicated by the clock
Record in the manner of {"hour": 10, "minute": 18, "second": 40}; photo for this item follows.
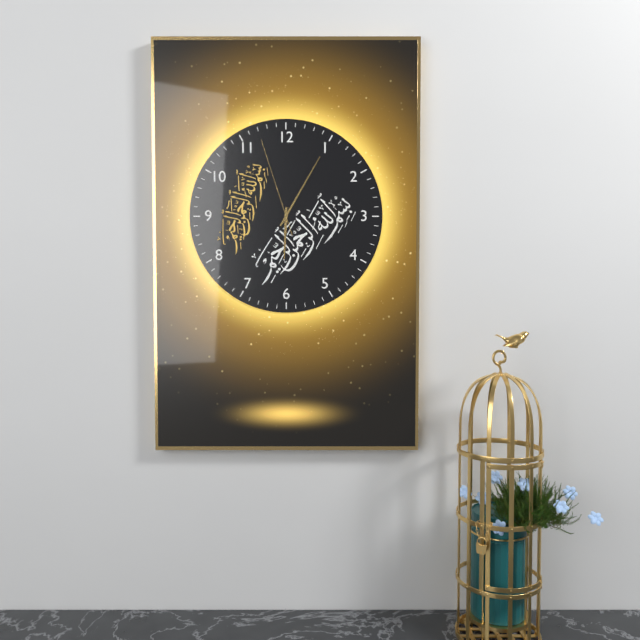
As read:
{"hour": 6, "minute": 5, "second": 57}
